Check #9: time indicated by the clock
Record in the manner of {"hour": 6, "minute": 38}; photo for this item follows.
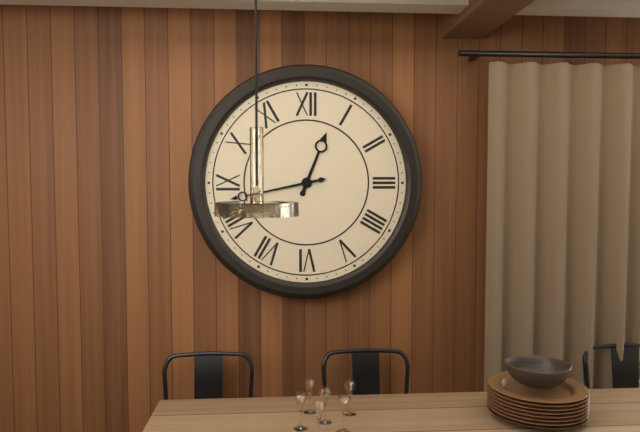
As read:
{"hour": 12, "minute": 43}
